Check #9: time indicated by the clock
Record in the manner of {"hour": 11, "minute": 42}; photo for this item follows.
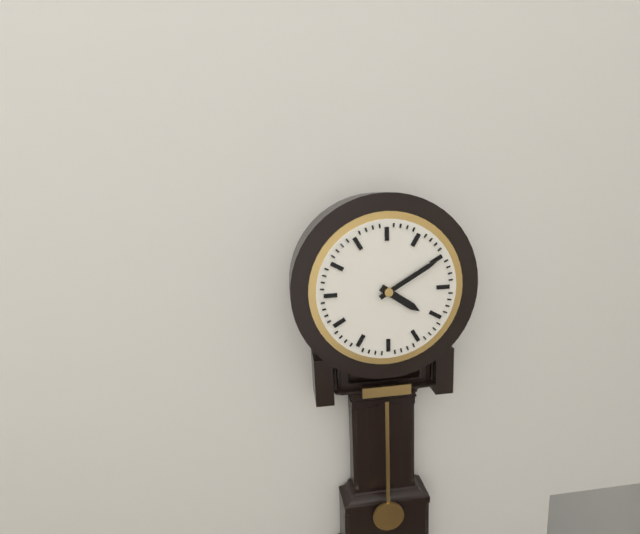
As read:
{"hour": 4, "minute": 10}
